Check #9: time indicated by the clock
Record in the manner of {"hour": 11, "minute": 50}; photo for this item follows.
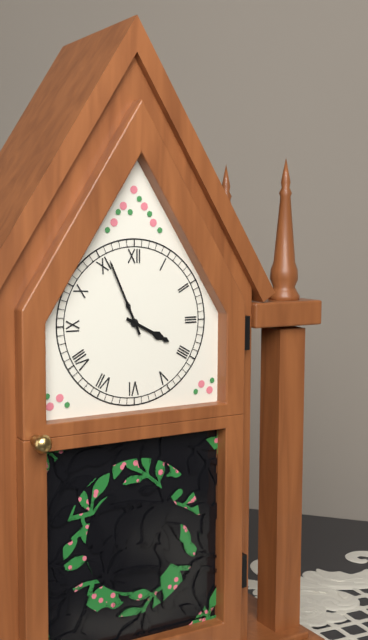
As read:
{"hour": 3, "minute": 56}
